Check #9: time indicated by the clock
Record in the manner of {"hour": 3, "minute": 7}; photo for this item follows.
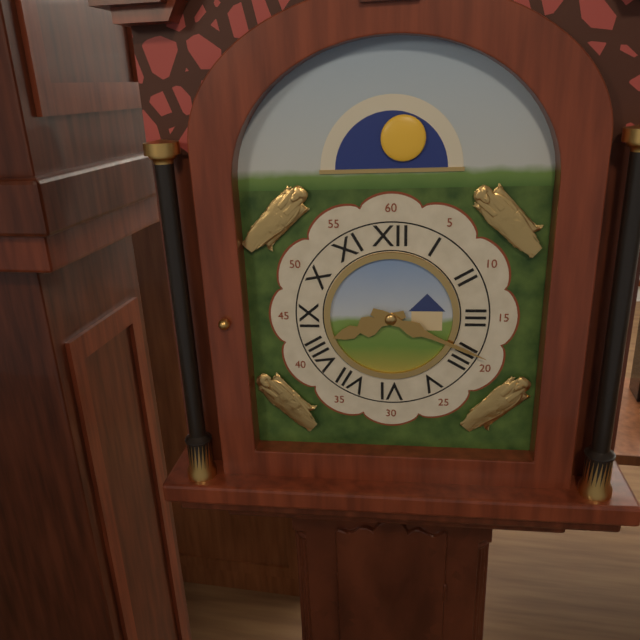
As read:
{"hour": 8, "minute": 19}
